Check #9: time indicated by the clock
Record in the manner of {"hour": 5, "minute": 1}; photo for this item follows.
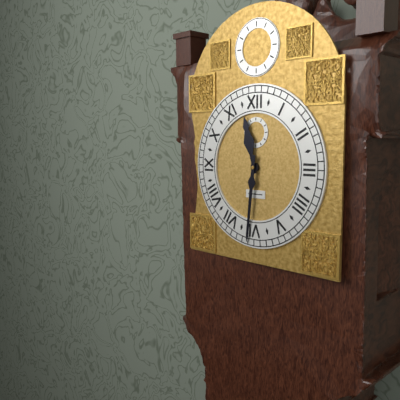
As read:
{"hour": 11, "minute": 31}
